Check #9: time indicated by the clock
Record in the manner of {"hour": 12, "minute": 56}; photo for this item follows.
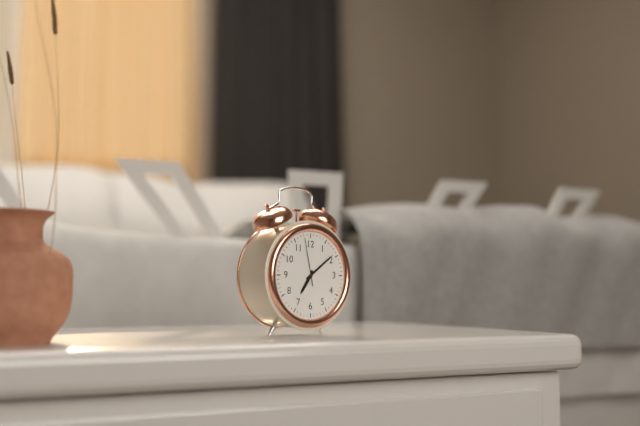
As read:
{"hour": 7, "minute": 9}
